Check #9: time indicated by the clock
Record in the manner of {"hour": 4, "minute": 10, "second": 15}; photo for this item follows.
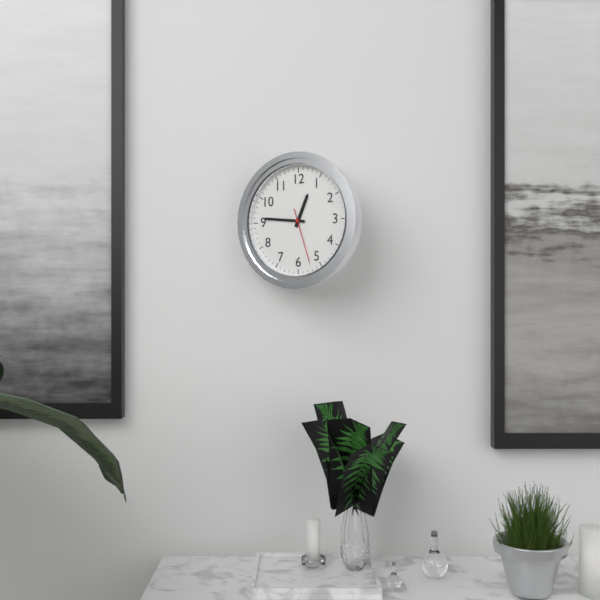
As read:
{"hour": 12, "minute": 46, "second": 27}
